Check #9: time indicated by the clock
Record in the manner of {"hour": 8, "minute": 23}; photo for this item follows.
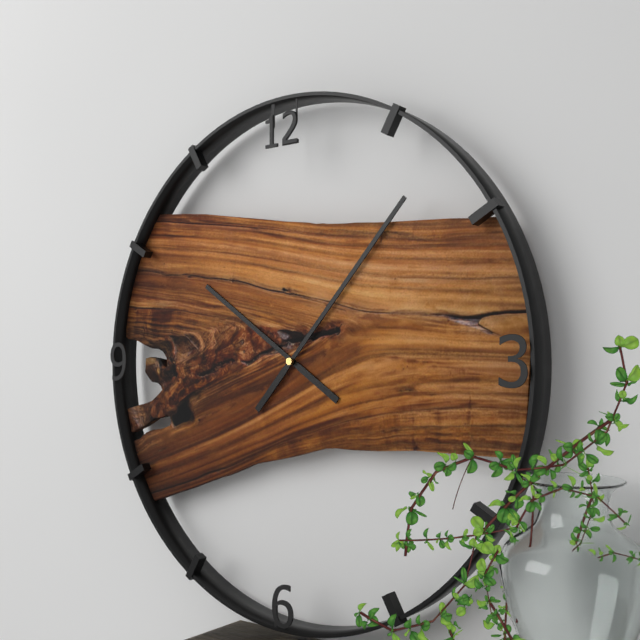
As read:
{"hour": 10, "minute": 7}
